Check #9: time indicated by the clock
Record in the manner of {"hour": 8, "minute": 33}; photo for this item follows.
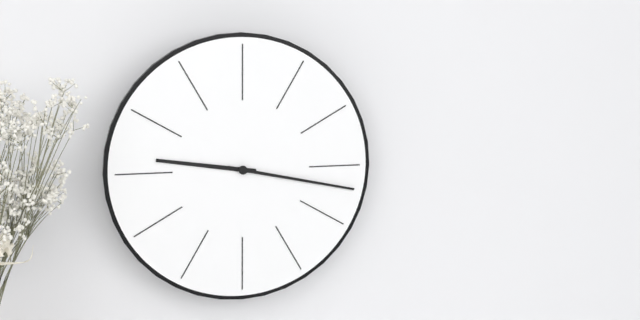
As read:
{"hour": 9, "minute": 17}
